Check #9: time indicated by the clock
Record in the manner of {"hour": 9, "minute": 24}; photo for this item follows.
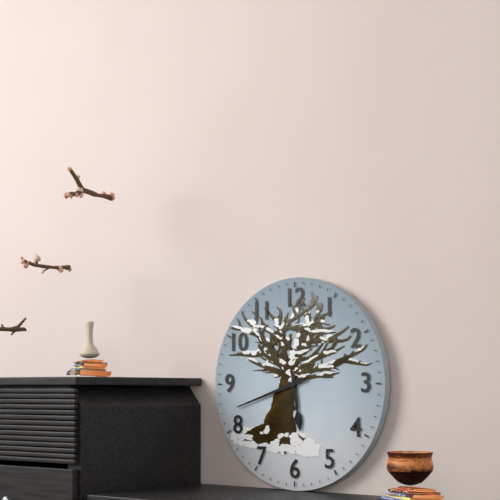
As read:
{"hour": 5, "minute": 42}
